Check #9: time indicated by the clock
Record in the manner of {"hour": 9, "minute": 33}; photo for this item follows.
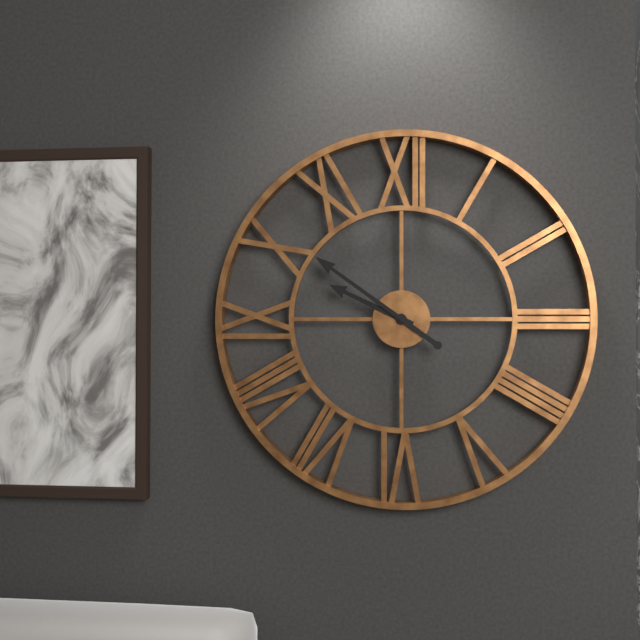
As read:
{"hour": 9, "minute": 51}
